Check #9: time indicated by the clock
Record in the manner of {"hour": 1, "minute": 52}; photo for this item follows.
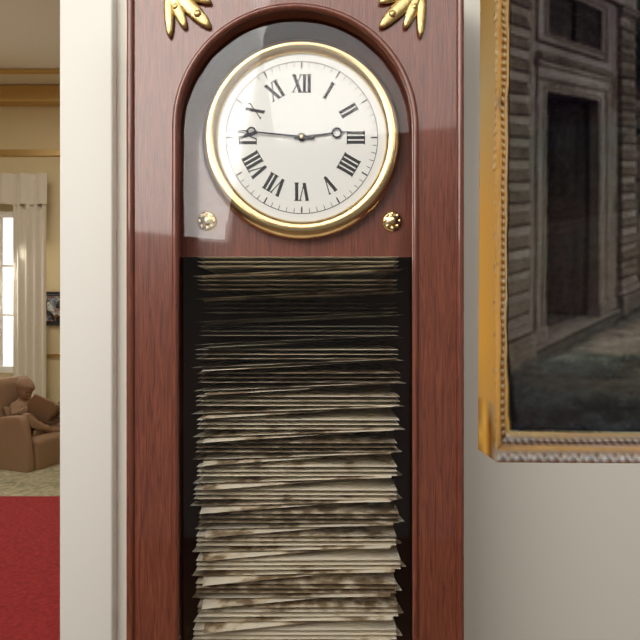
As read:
{"hour": 2, "minute": 46}
